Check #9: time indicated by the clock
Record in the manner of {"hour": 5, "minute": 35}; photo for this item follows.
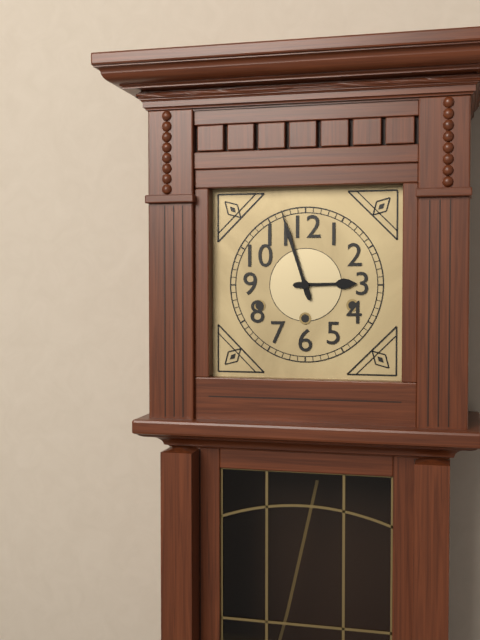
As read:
{"hour": 2, "minute": 57}
